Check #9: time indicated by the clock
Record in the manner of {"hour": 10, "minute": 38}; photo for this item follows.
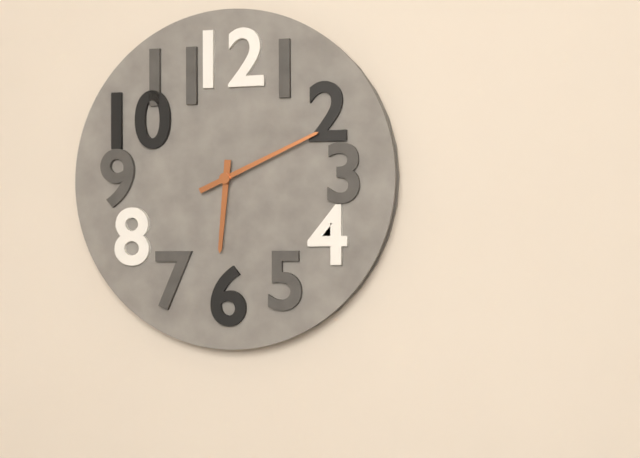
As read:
{"hour": 6, "minute": 11}
